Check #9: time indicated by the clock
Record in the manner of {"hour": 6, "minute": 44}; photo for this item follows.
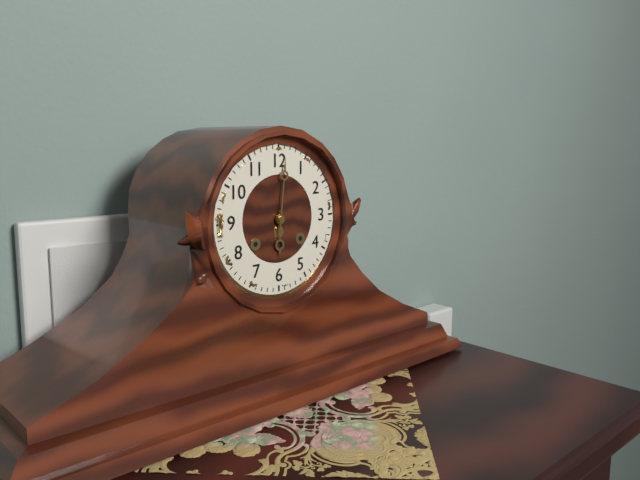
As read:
{"hour": 6, "minute": 1}
